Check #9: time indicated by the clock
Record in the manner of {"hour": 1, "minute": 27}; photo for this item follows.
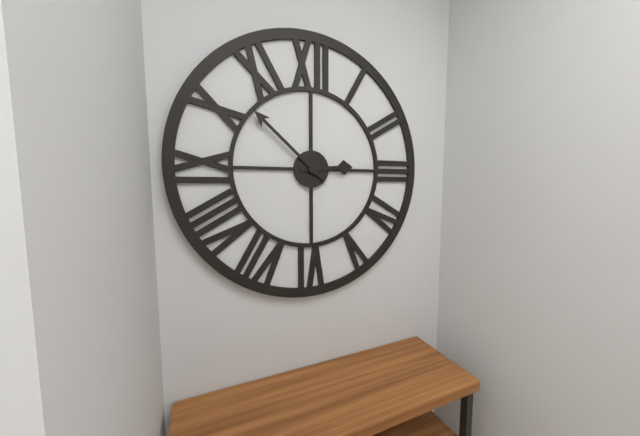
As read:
{"hour": 2, "minute": 52}
